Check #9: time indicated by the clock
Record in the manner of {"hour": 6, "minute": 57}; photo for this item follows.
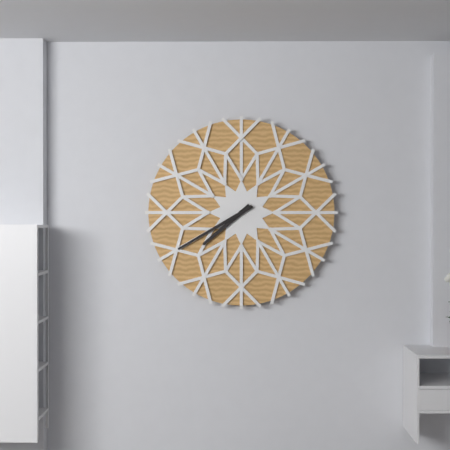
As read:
{"hour": 7, "minute": 40}
